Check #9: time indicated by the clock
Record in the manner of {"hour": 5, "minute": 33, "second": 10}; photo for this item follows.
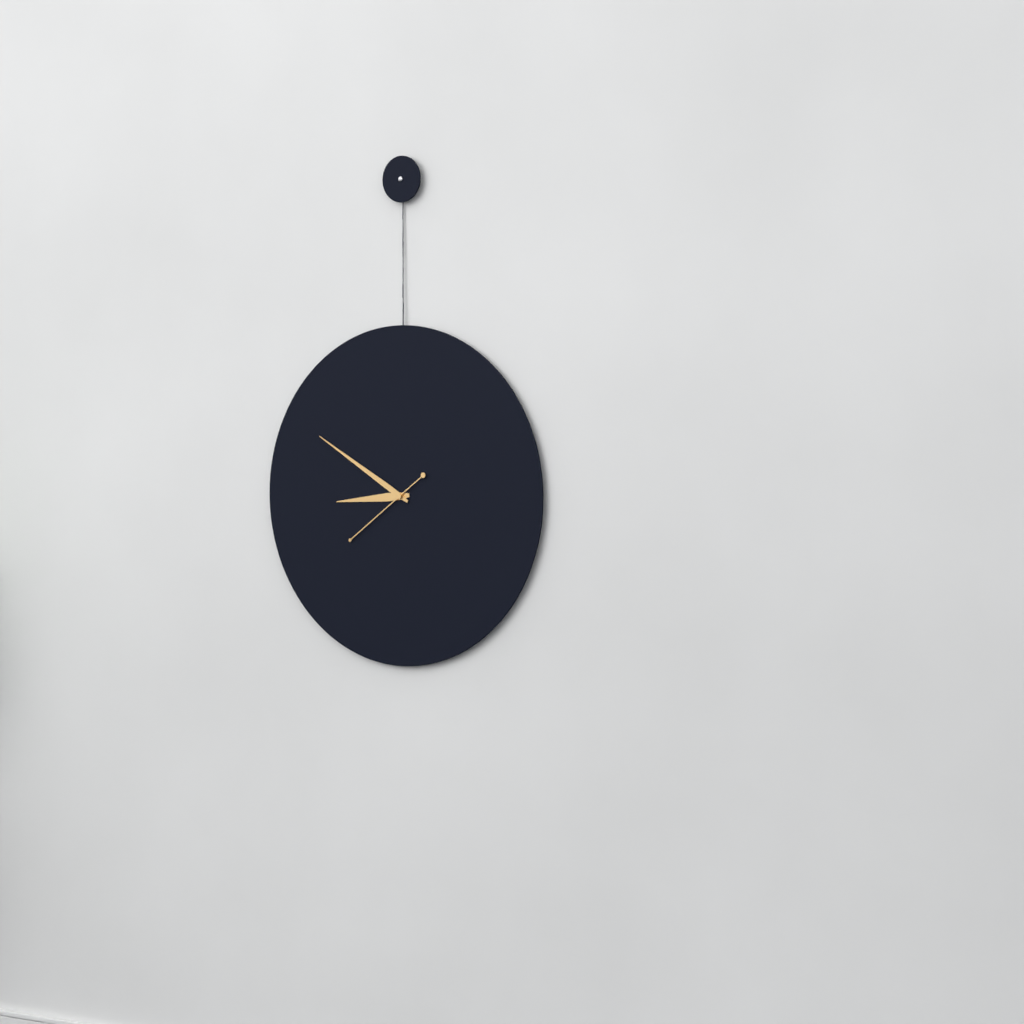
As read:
{"hour": 8, "minute": 50, "second": 39}
